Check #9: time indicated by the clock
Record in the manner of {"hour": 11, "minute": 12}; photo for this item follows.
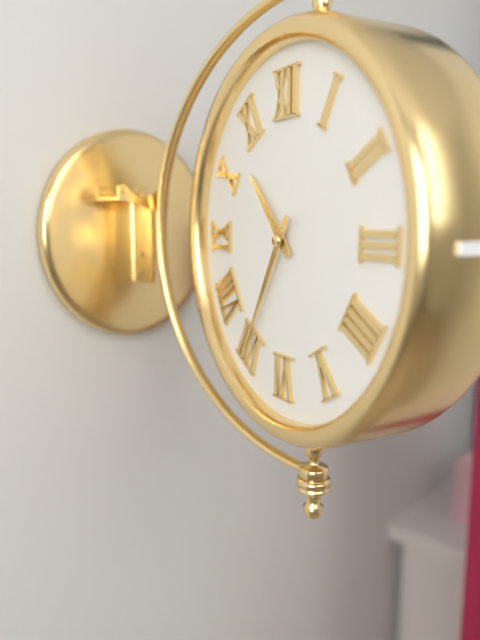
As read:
{"hour": 10, "minute": 35}
